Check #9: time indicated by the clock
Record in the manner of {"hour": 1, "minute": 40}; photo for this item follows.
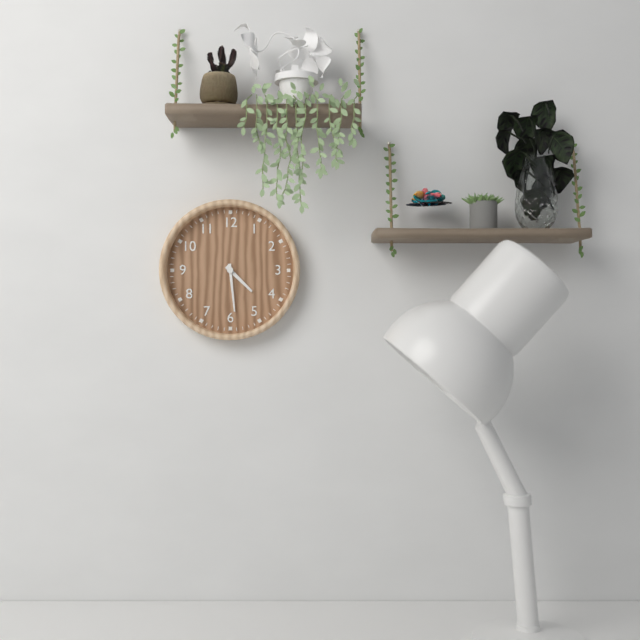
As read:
{"hour": 4, "minute": 29}
